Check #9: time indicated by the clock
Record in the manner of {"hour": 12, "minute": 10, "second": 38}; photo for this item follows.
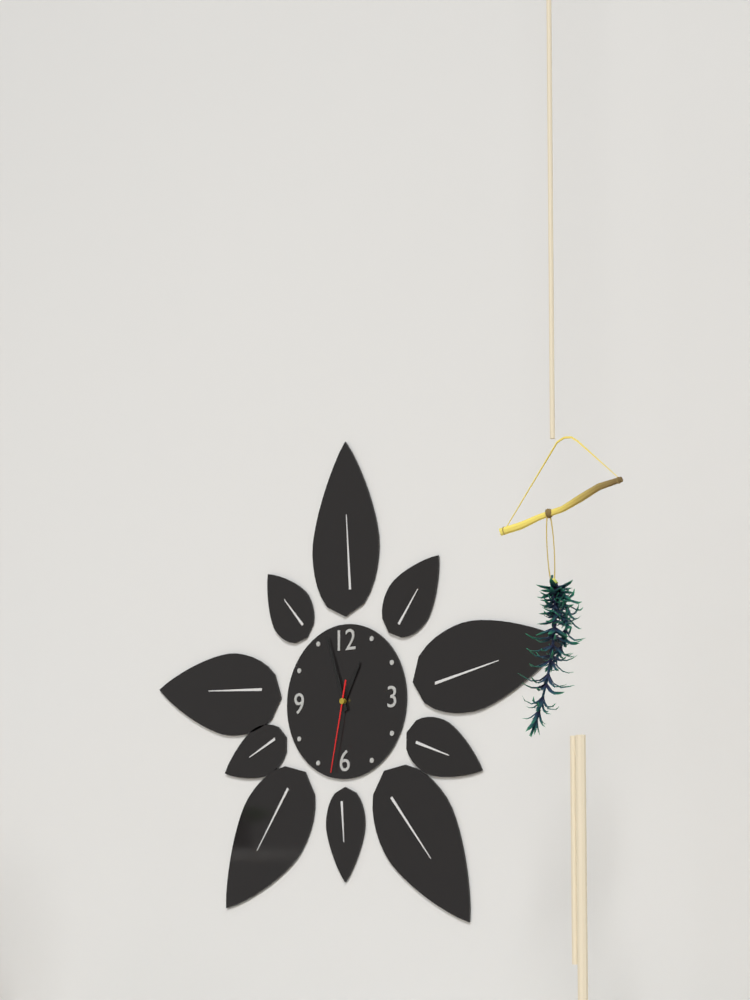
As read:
{"hour": 12, "minute": 57, "second": 32}
